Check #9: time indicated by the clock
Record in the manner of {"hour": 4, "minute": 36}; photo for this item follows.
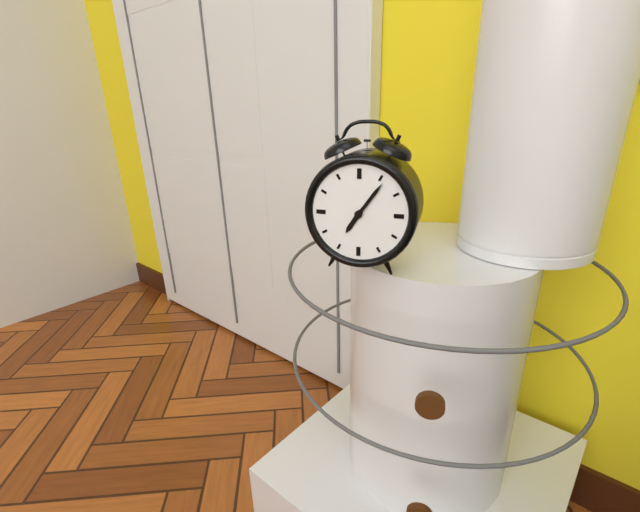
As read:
{"hour": 7, "minute": 6}
